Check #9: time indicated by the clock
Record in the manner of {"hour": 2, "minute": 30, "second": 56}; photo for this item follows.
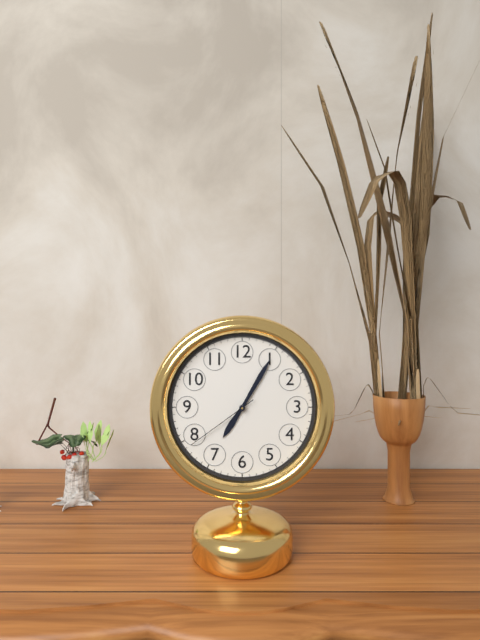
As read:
{"hour": 7, "minute": 5, "second": 39}
